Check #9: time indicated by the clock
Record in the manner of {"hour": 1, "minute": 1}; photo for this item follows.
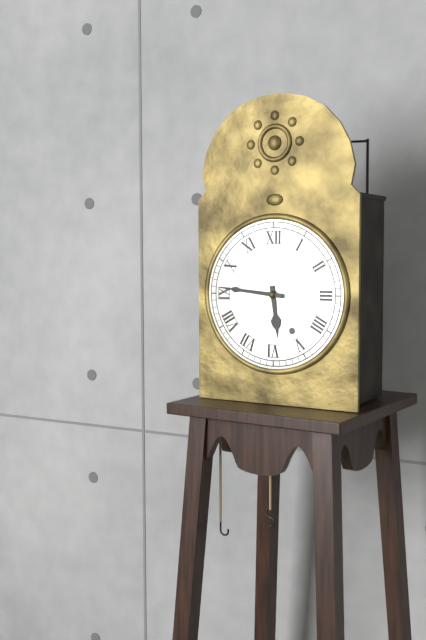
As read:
{"hour": 5, "minute": 46}
